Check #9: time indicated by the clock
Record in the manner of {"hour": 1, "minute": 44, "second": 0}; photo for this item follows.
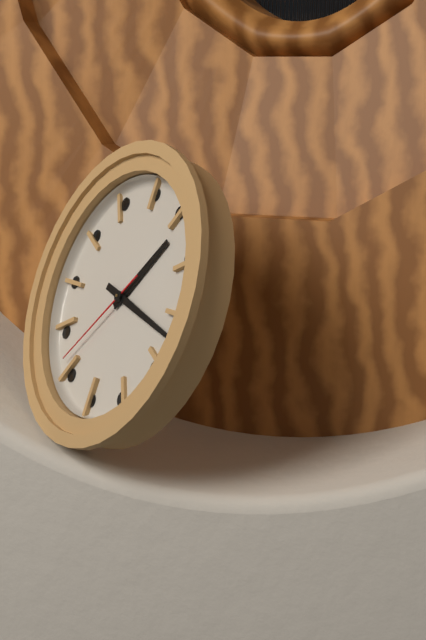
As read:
{"hour": 1, "minute": 17, "second": 37}
